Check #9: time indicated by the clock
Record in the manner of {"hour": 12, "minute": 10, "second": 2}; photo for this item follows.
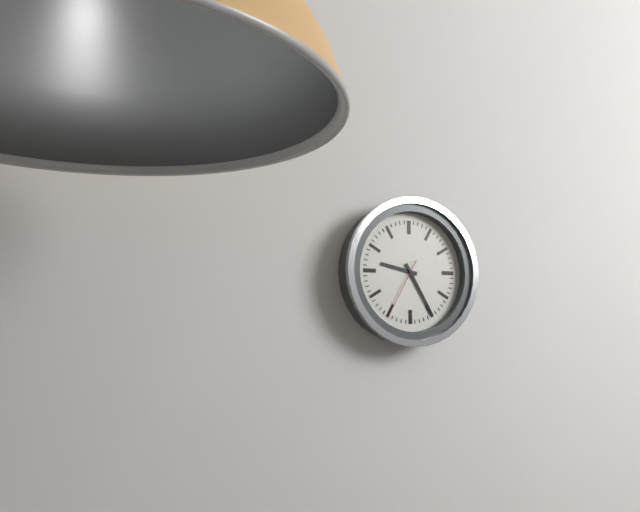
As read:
{"hour": 9, "minute": 25, "second": 35}
